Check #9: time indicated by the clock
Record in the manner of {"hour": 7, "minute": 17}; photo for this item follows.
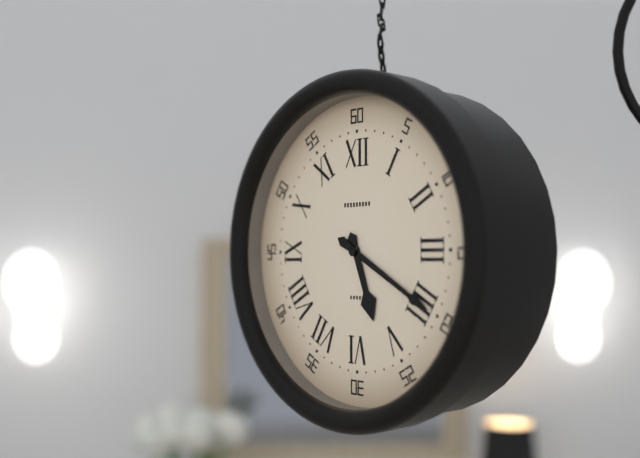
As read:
{"hour": 5, "minute": 20}
